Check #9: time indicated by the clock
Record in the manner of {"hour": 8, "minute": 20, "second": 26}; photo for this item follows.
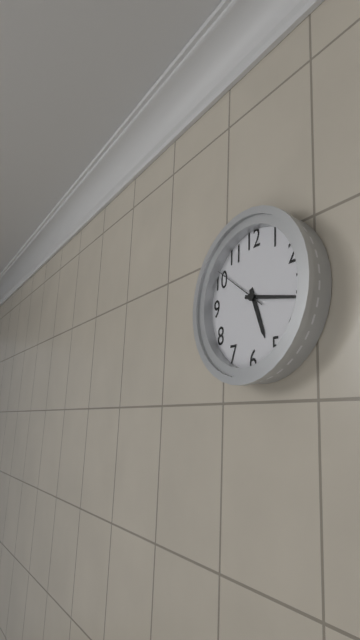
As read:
{"hour": 5, "minute": 17, "second": 51}
